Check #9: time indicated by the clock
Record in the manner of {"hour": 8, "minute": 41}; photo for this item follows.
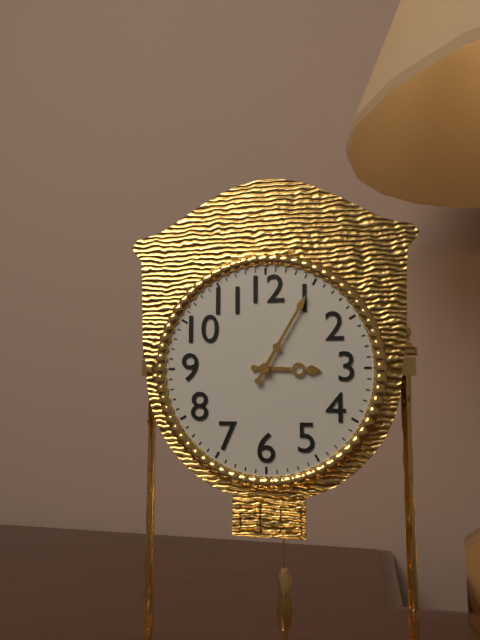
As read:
{"hour": 3, "minute": 5}
